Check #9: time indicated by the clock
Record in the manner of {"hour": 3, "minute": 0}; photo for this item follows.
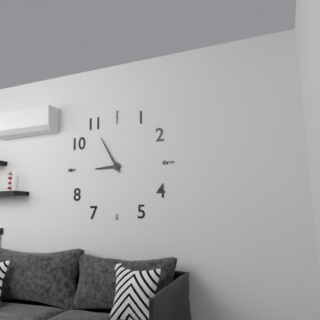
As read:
{"hour": 8, "minute": 55}
